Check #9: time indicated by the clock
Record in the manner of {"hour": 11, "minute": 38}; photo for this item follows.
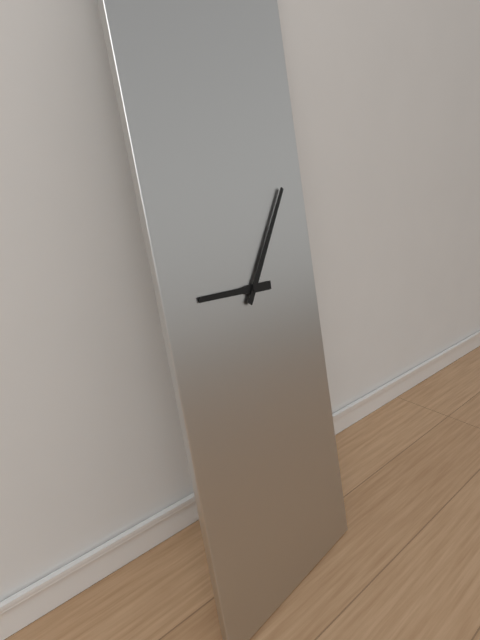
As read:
{"hour": 9, "minute": 6}
